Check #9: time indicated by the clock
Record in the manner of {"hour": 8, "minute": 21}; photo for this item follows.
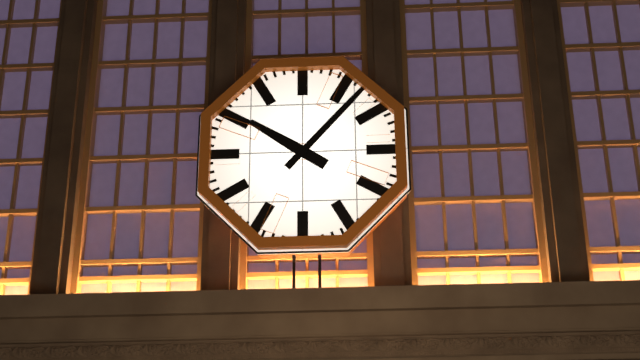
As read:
{"hour": 10, "minute": 7}
